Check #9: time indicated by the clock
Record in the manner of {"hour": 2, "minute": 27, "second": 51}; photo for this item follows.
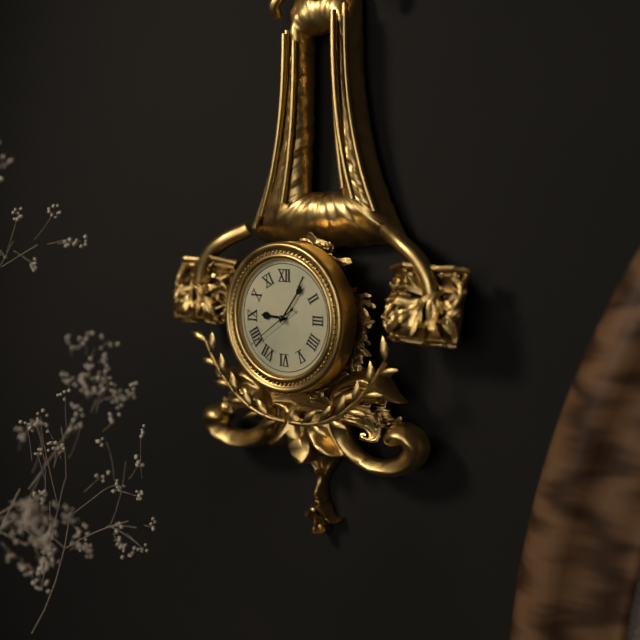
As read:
{"hour": 9, "minute": 6, "second": 39}
